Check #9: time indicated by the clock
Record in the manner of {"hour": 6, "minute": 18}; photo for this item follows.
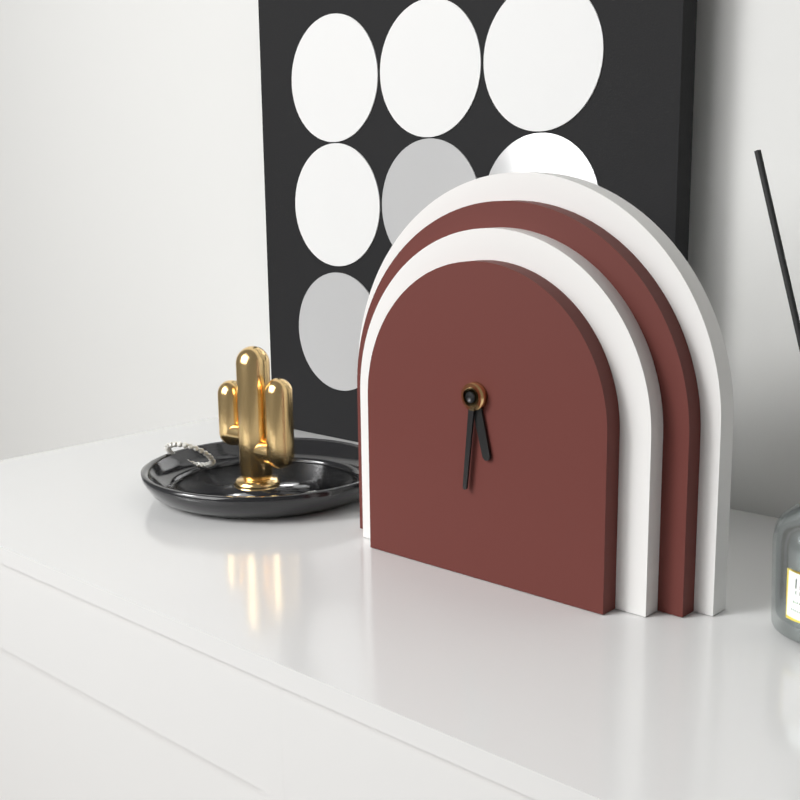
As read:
{"hour": 5, "minute": 31}
